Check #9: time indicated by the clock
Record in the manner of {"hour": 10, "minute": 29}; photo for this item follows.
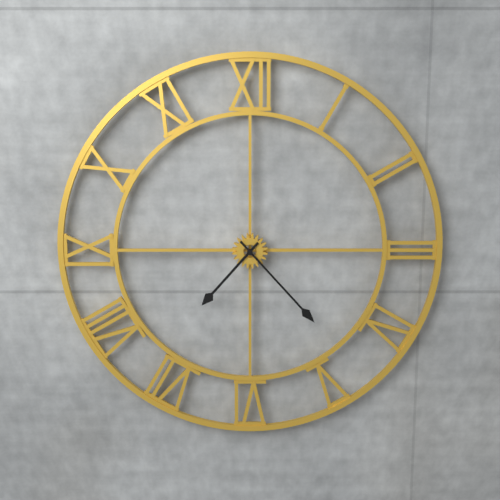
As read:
{"hour": 7, "minute": 23}
